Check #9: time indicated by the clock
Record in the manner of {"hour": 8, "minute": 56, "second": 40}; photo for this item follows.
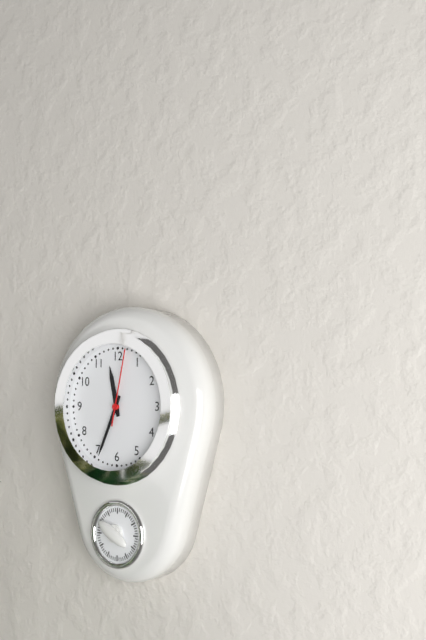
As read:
{"hour": 11, "minute": 34, "second": 2}
